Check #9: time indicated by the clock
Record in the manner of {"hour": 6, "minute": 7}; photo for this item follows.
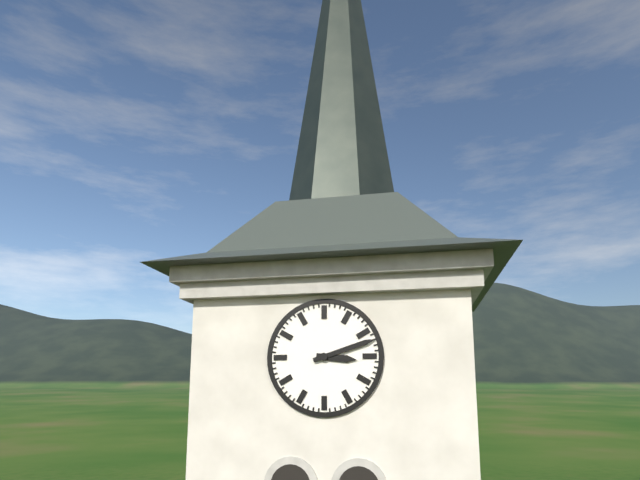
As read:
{"hour": 3, "minute": 12}
